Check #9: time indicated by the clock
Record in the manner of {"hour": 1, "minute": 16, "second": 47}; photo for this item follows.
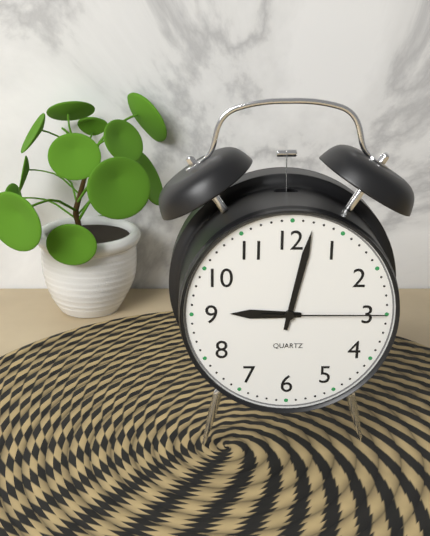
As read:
{"hour": 9, "minute": 2, "second": 15}
